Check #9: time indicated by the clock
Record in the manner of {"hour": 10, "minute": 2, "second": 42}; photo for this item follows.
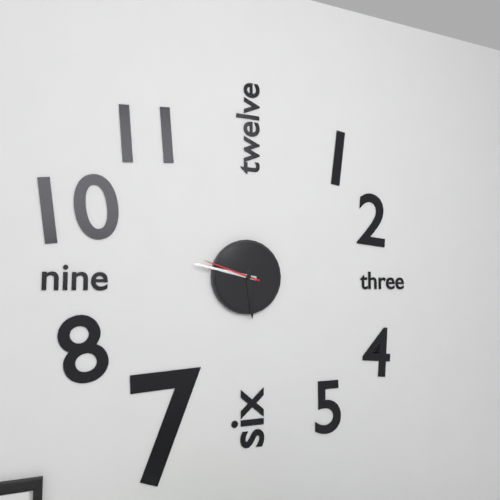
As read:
{"hour": 5, "minute": 47, "second": 48}
